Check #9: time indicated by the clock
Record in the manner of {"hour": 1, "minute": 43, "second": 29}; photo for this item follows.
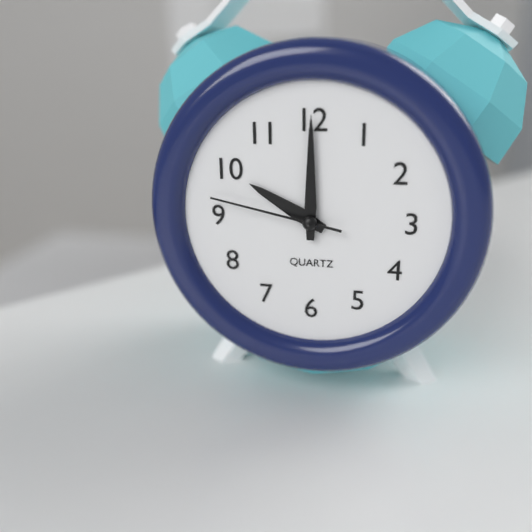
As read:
{"hour": 10, "minute": 0, "second": 47}
